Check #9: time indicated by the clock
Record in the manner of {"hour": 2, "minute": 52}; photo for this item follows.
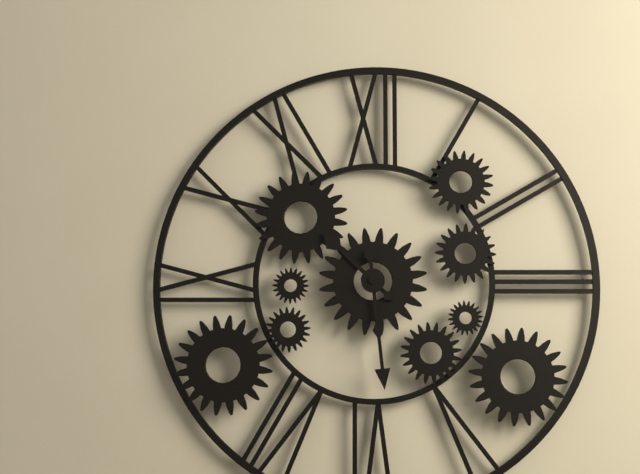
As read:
{"hour": 10, "minute": 29}
